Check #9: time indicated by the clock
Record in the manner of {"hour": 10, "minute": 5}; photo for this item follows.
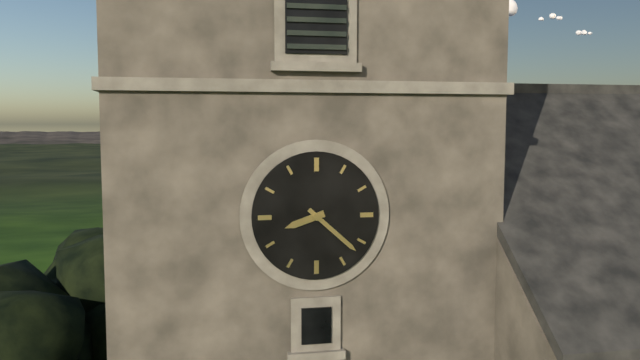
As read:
{"hour": 8, "minute": 22}
